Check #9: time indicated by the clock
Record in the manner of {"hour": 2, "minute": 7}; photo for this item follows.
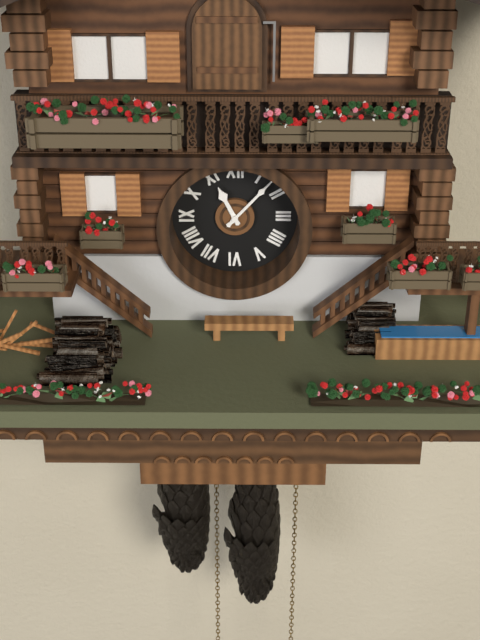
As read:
{"hour": 11, "minute": 7}
